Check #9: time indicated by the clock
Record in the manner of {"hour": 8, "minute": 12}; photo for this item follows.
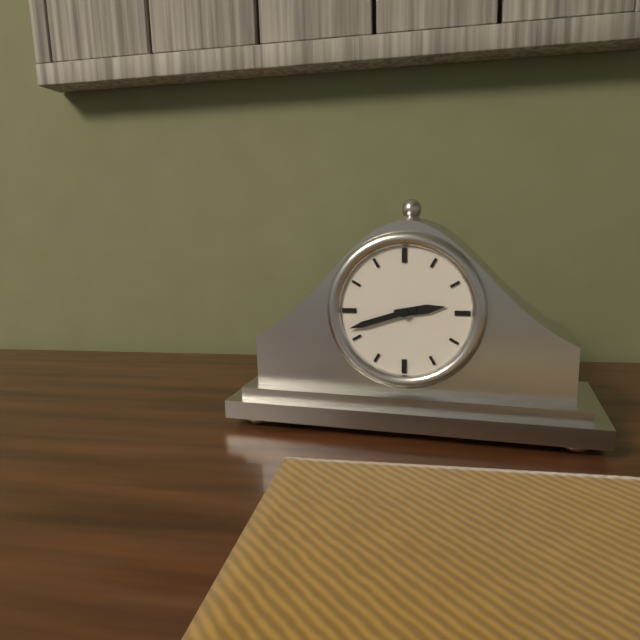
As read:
{"hour": 2, "minute": 42}
